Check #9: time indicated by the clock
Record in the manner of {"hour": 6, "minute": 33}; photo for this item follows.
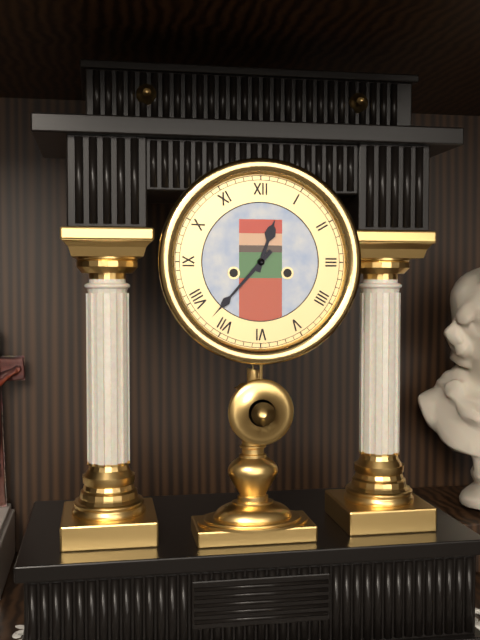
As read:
{"hour": 12, "minute": 37}
